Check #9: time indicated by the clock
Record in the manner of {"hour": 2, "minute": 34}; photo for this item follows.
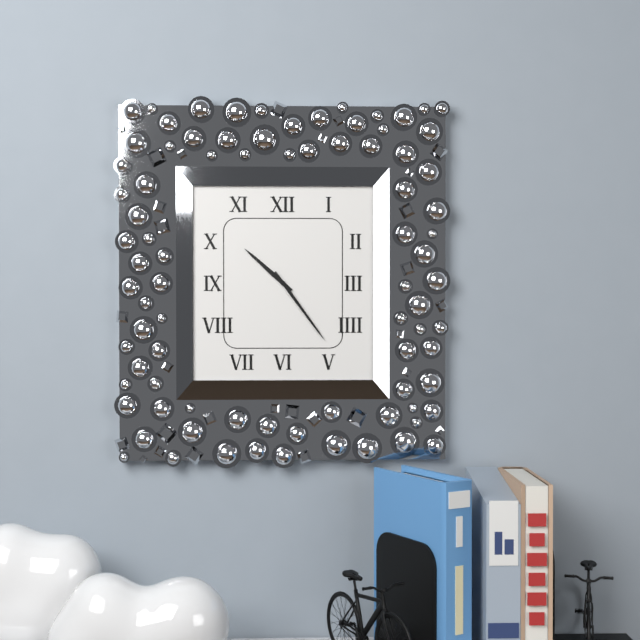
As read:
{"hour": 10, "minute": 24}
